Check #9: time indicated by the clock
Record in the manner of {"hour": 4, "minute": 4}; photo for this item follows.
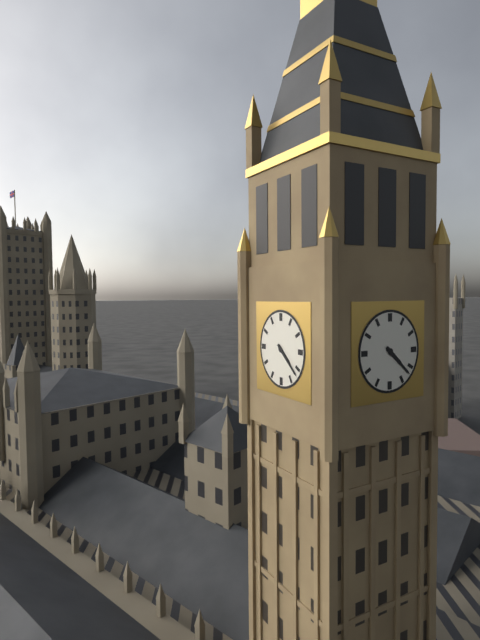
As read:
{"hour": 4, "minute": 22}
